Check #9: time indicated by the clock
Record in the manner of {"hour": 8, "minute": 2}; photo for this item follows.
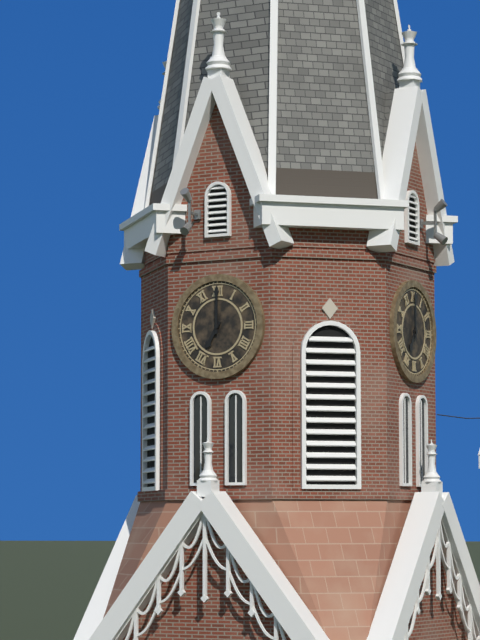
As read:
{"hour": 7, "minute": 0}
